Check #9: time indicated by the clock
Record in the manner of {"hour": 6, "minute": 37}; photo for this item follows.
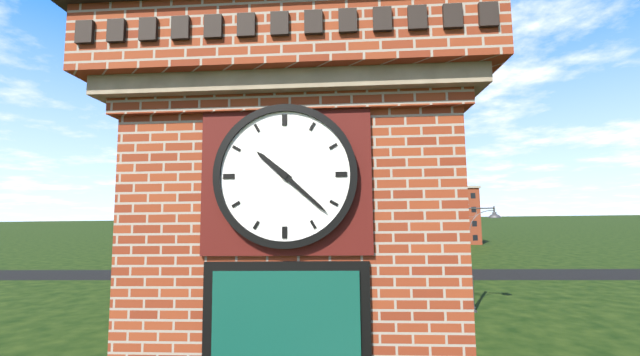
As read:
{"hour": 10, "minute": 22}
